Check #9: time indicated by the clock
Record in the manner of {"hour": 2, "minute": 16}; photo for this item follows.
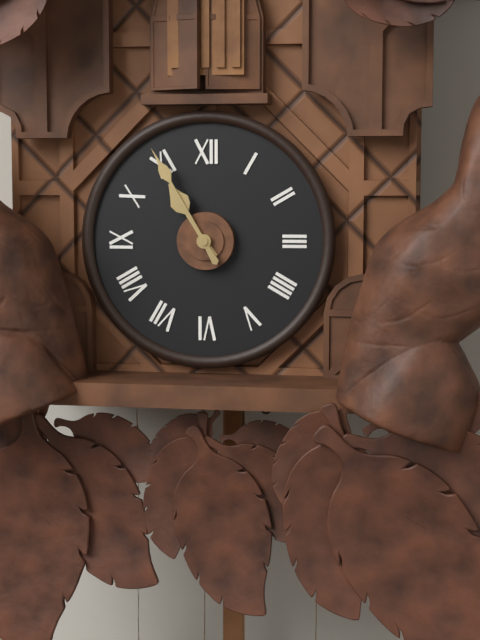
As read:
{"hour": 10, "minute": 55}
